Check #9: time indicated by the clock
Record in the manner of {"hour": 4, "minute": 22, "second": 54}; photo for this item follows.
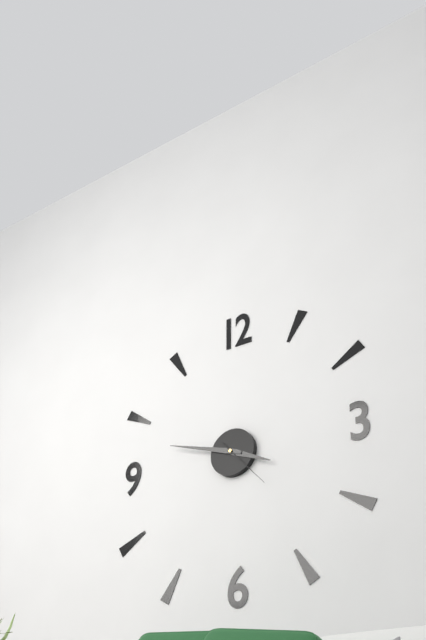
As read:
{"hour": 3, "minute": 48, "second": 23}
